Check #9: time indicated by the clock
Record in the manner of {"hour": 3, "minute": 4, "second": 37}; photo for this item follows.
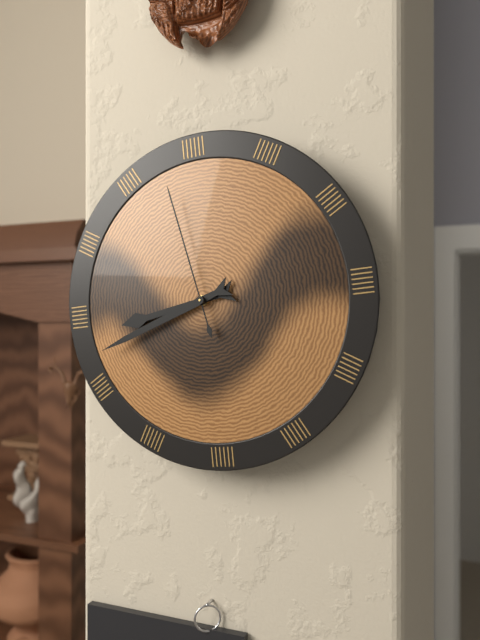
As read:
{"hour": 8, "minute": 42, "second": 58}
